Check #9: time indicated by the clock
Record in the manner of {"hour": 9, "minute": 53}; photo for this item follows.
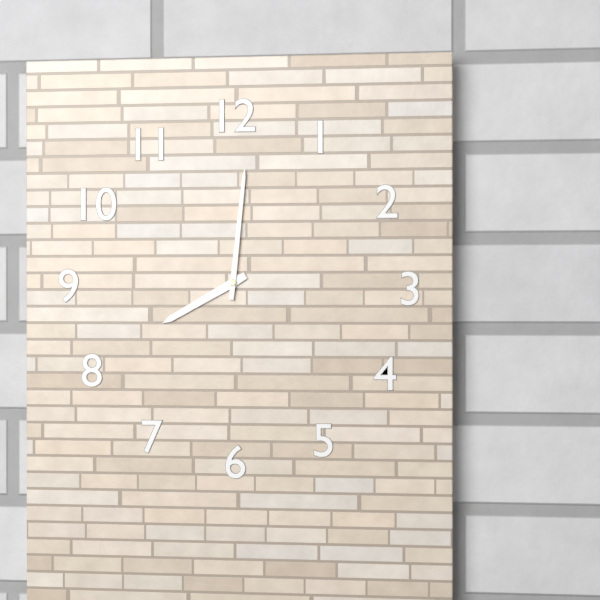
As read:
{"hour": 8, "minute": 1}
